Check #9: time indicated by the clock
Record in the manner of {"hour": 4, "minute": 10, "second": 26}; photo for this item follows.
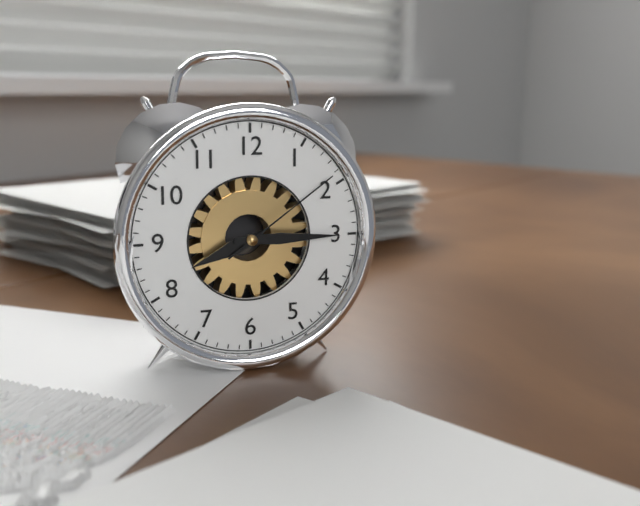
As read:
{"hour": 8, "minute": 15, "second": 9}
